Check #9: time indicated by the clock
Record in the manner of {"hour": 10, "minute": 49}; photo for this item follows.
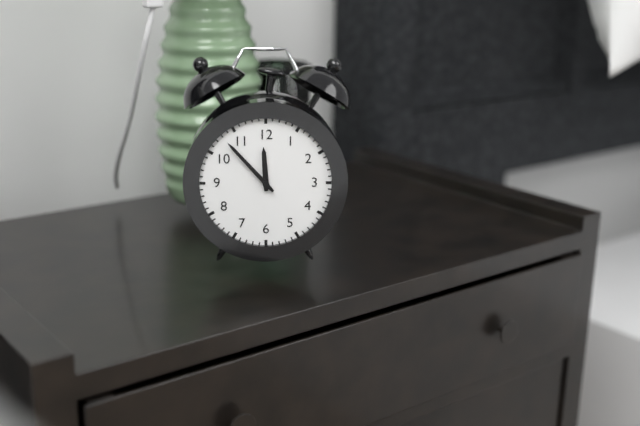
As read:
{"hour": 11, "minute": 53}
